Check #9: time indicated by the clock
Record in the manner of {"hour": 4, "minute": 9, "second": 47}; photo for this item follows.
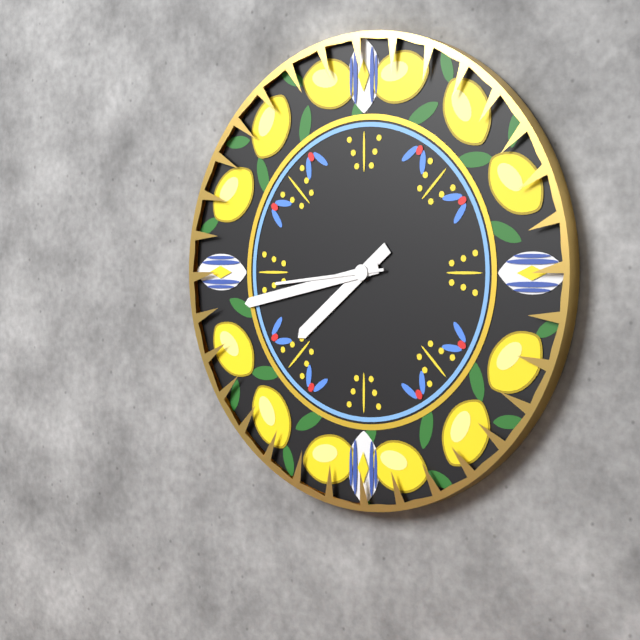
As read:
{"hour": 7, "minute": 43, "second": 44}
